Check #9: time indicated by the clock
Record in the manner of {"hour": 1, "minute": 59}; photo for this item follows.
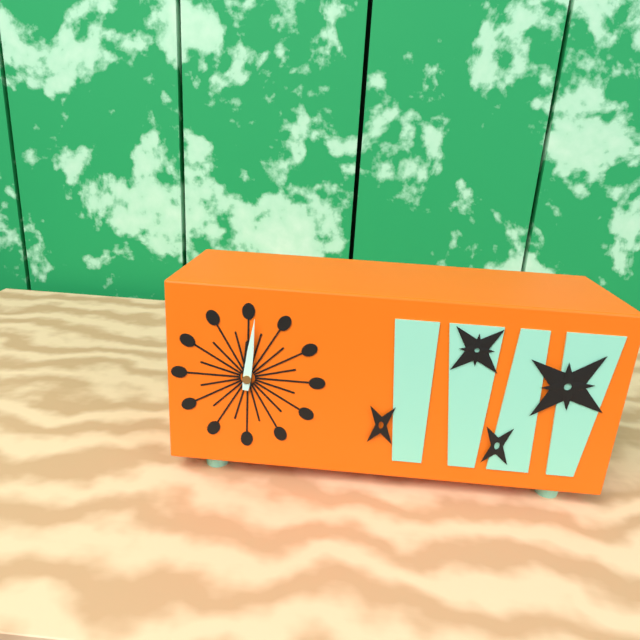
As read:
{"hour": 12, "minute": 1}
